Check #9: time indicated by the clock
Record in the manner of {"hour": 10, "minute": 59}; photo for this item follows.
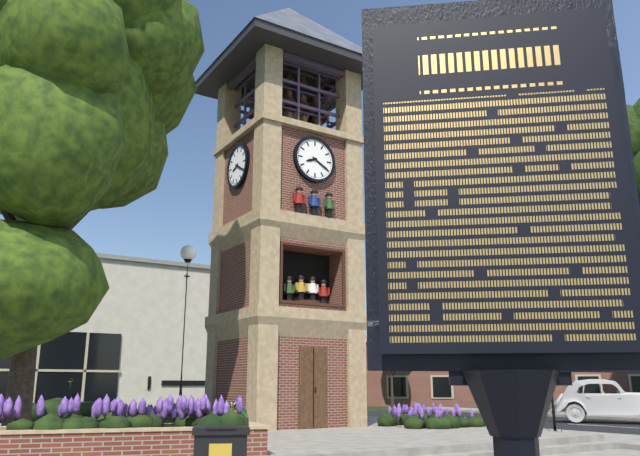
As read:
{"hour": 8, "minute": 20}
